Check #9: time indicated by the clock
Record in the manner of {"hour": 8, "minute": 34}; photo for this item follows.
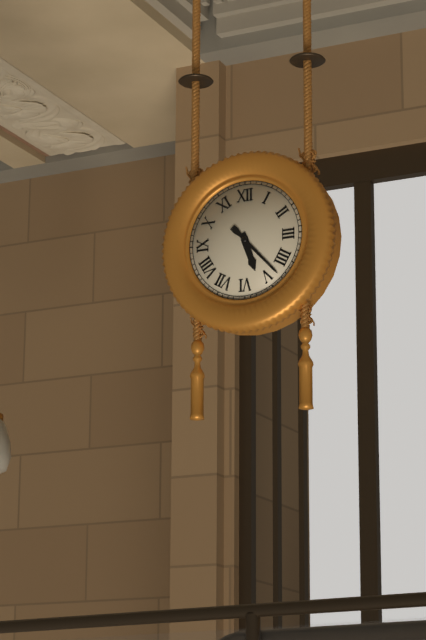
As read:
{"hour": 5, "minute": 23}
